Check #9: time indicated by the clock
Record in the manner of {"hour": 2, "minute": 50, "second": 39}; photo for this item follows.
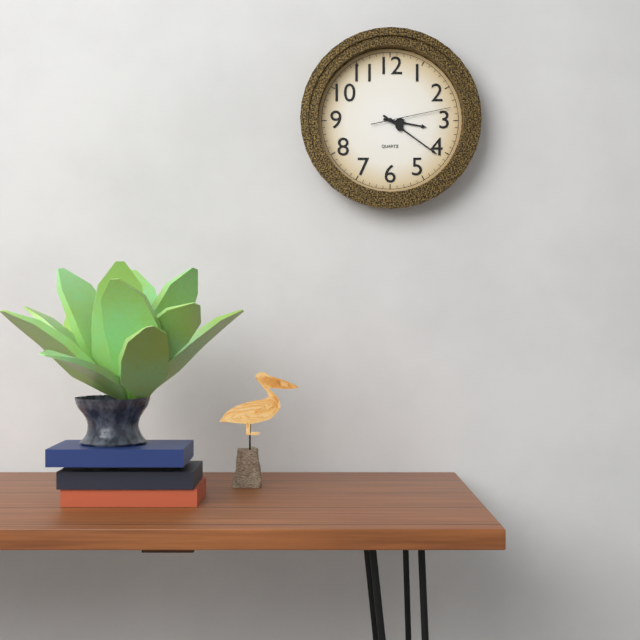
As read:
{"hour": 3, "minute": 21, "second": 13}
